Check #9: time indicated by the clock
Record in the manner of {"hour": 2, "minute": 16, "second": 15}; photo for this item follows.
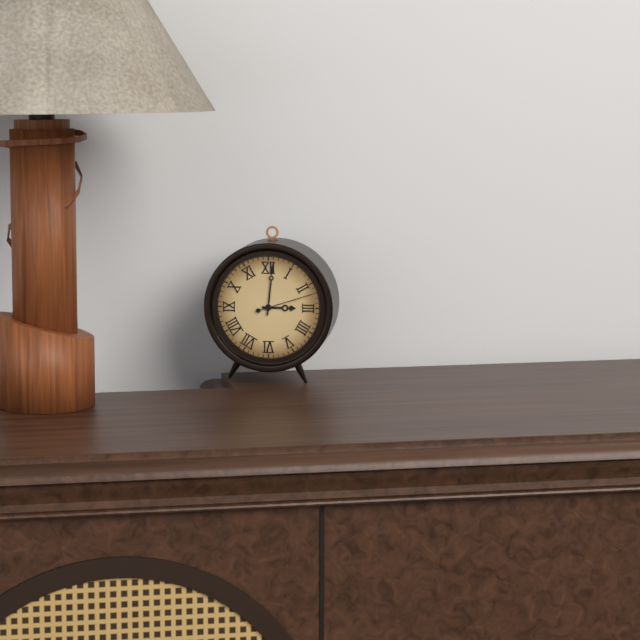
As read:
{"hour": 3, "minute": 1, "second": 12}
